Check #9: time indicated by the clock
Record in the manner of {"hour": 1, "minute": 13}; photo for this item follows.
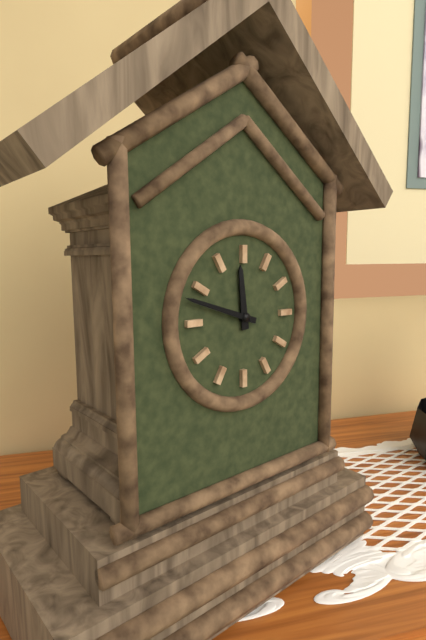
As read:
{"hour": 11, "minute": 48}
